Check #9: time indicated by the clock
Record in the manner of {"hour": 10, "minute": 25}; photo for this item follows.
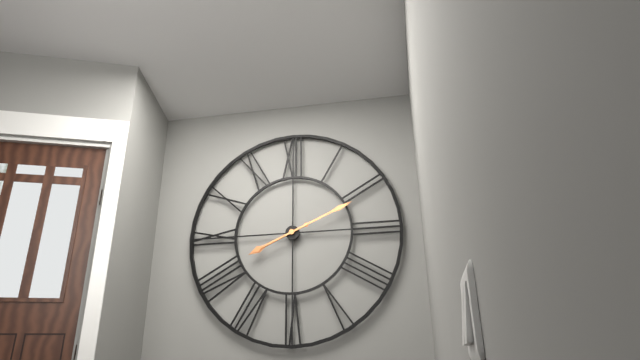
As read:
{"hour": 8, "minute": 11}
